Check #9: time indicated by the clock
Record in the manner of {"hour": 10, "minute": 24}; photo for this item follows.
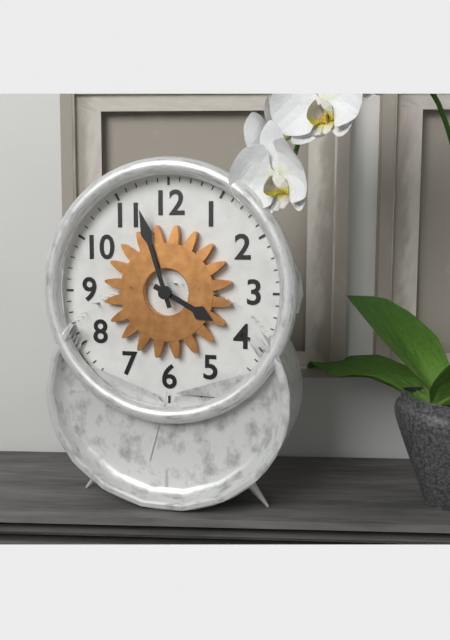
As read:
{"hour": 3, "minute": 57}
